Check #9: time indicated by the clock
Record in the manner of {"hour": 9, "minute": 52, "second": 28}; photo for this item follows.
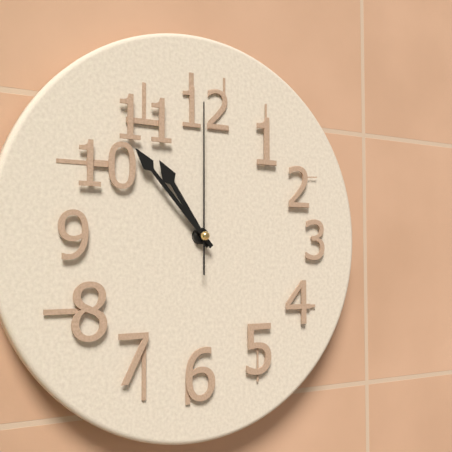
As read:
{"hour": 10, "minute": 53, "second": 0}
